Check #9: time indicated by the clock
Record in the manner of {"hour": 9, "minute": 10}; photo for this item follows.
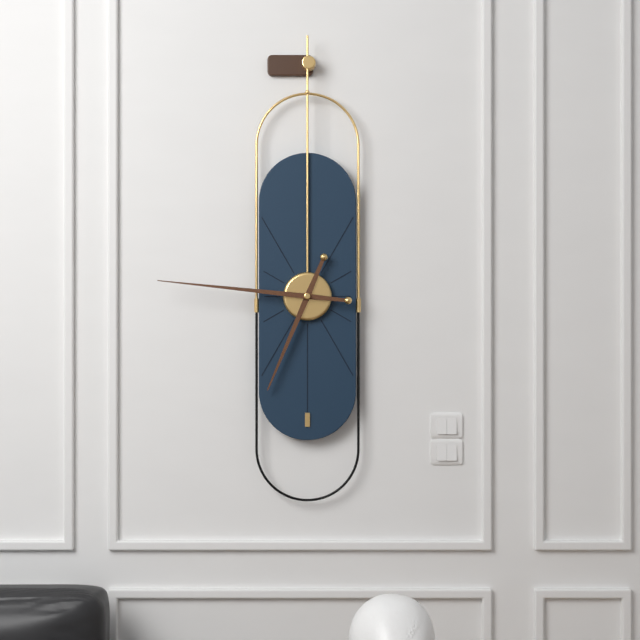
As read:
{"hour": 6, "minute": 46}
